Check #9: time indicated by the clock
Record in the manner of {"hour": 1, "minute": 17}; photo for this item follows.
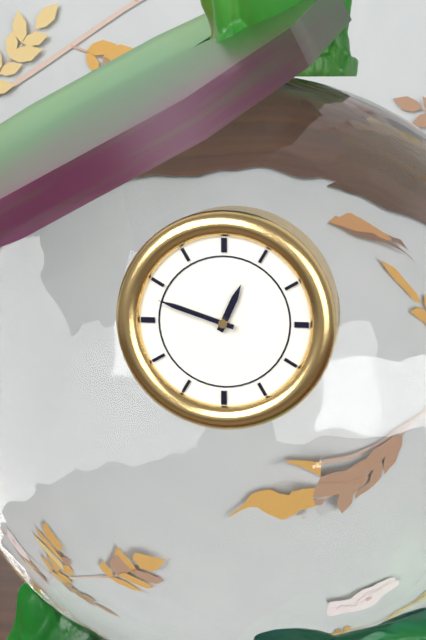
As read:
{"hour": 12, "minute": 48}
